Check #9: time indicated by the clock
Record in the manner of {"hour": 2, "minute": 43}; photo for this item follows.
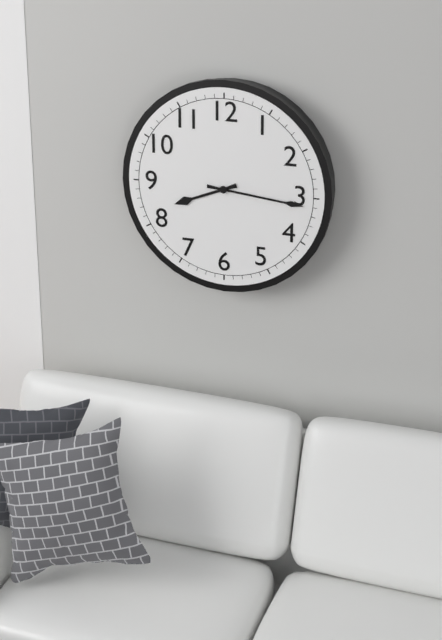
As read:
{"hour": 8, "minute": 16}
